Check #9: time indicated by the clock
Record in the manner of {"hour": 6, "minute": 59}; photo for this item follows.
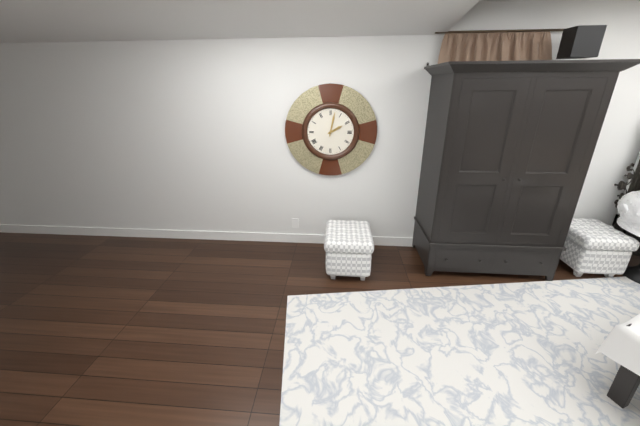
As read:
{"hour": 2, "minute": 2}
